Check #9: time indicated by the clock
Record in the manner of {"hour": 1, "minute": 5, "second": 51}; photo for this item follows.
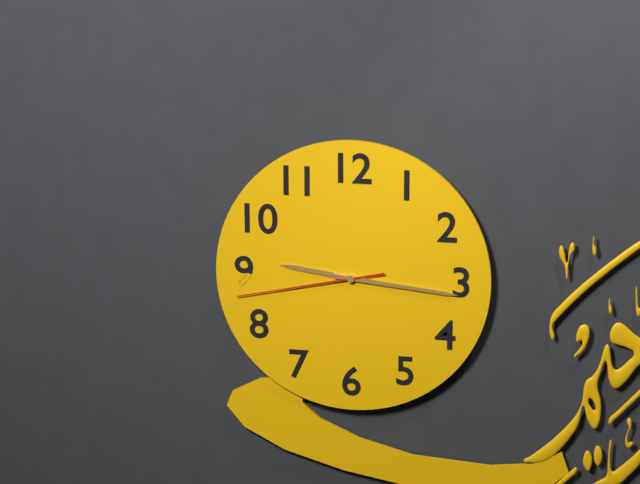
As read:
{"hour": 9, "minute": 16, "second": 43}
